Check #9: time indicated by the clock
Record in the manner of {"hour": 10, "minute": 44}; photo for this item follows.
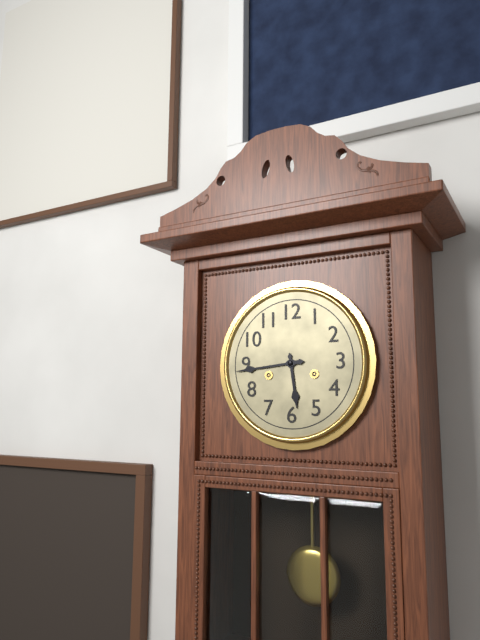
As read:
{"hour": 5, "minute": 44}
